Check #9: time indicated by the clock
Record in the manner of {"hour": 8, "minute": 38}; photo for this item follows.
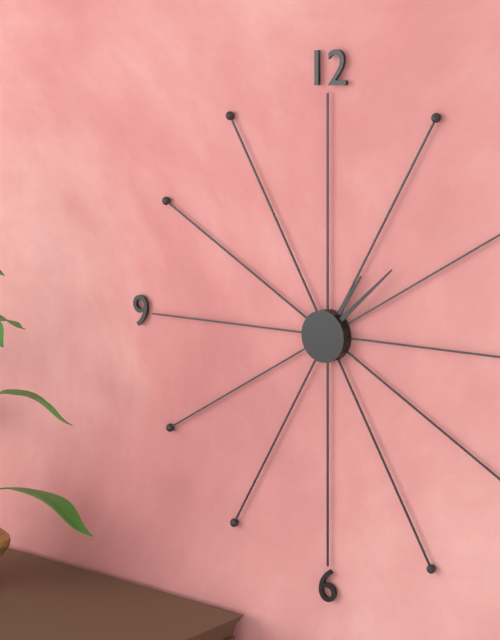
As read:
{"hour": 1, "minute": 8}
